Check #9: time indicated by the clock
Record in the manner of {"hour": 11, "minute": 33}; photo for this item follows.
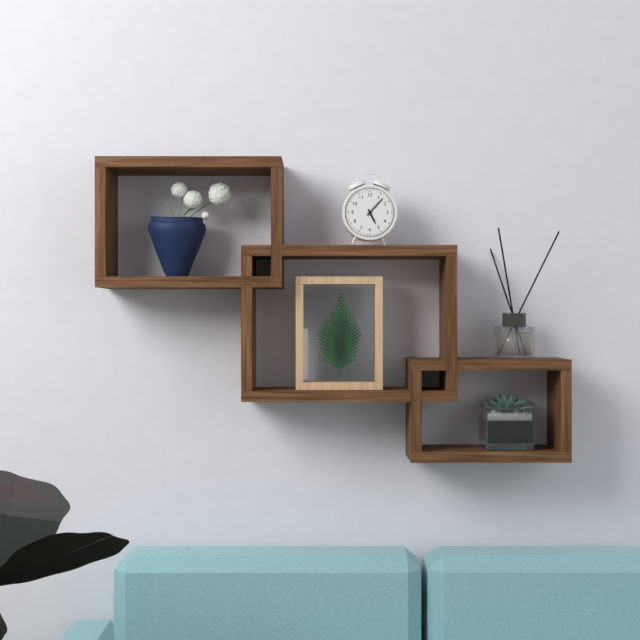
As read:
{"hour": 5, "minute": 7}
